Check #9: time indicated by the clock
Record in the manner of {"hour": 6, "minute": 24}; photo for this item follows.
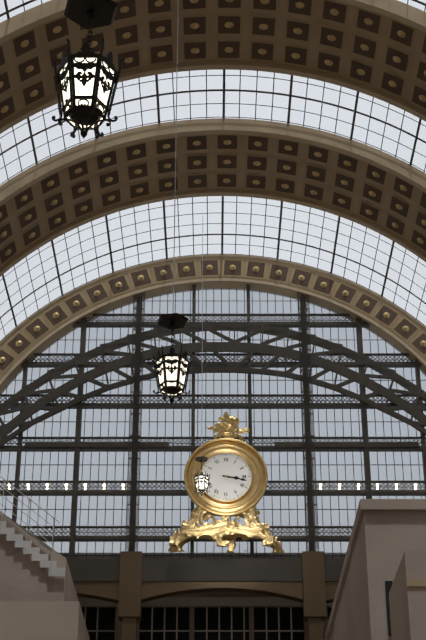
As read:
{"hour": 3, "minute": 17}
